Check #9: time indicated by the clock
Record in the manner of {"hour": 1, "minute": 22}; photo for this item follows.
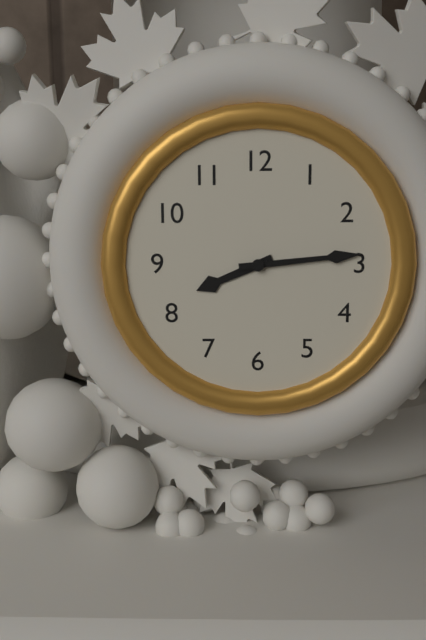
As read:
{"hour": 8, "minute": 14}
